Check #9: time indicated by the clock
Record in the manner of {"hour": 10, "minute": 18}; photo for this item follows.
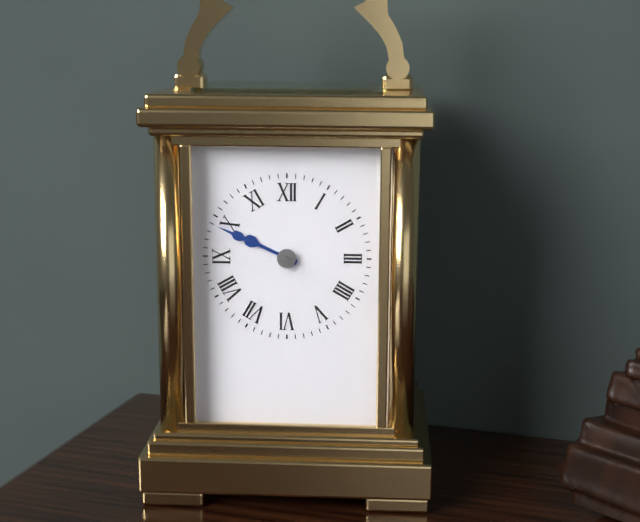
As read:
{"hour": 9, "minute": 49}
